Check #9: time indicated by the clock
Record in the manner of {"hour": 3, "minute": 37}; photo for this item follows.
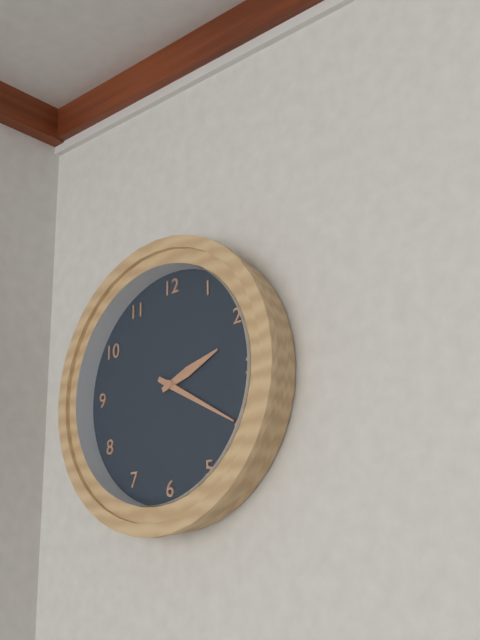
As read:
{"hour": 2, "minute": 20}
